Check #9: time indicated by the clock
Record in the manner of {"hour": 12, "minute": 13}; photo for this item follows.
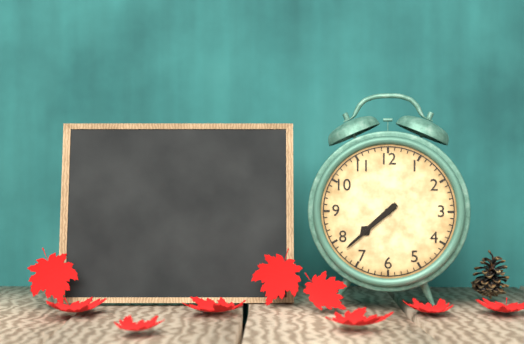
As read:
{"hour": 7, "minute": 38}
